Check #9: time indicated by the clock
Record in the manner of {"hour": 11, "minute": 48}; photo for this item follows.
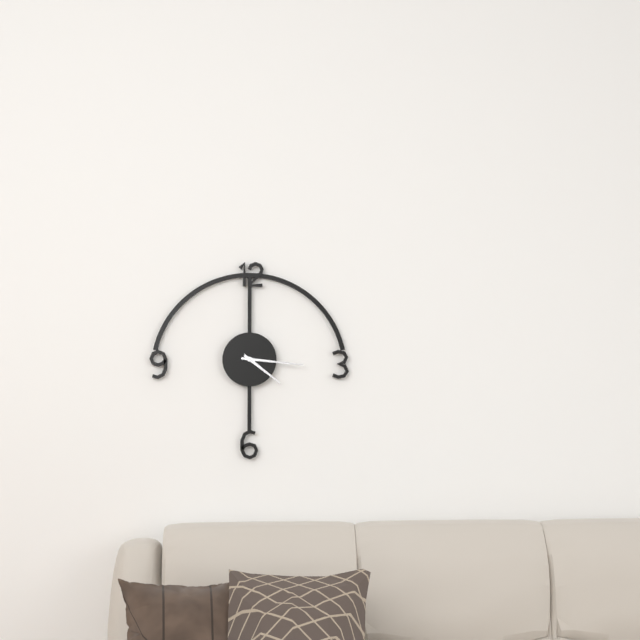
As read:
{"hour": 4, "minute": 16}
